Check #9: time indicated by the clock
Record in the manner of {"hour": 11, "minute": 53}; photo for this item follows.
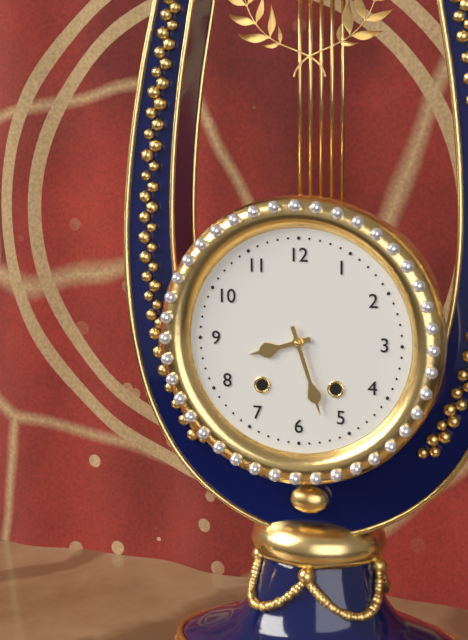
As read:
{"hour": 8, "minute": 27}
